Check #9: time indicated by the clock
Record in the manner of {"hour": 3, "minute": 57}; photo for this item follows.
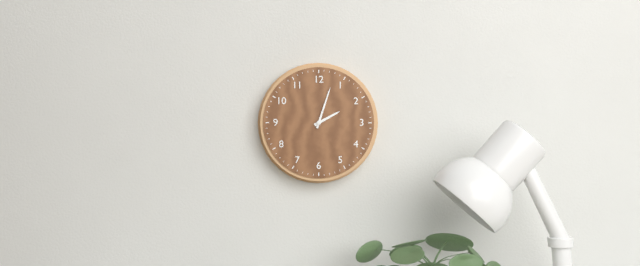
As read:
{"hour": 2, "minute": 3}
